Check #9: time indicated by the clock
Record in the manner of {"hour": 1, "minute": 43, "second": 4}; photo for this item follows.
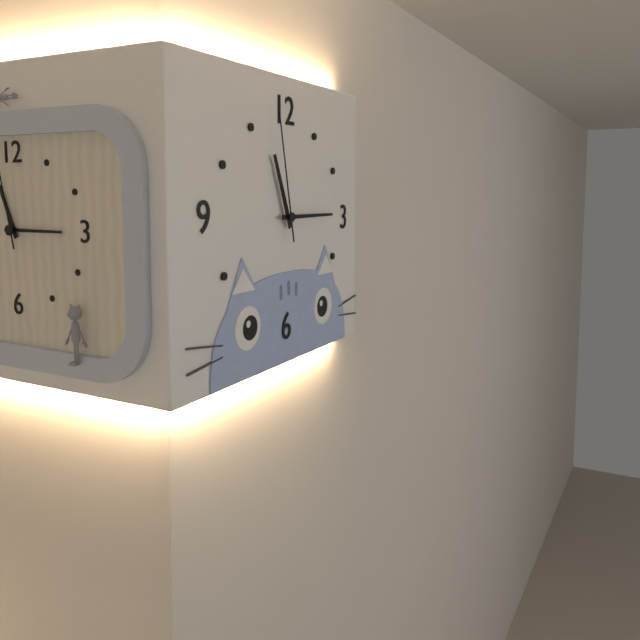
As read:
{"hour": 11, "minute": 15, "second": 58}
